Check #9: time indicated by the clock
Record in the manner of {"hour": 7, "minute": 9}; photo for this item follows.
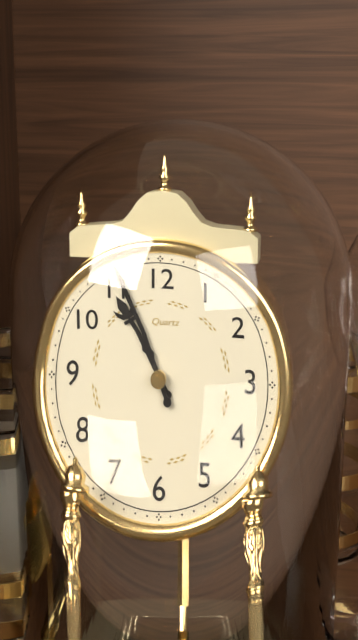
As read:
{"hour": 10, "minute": 56}
